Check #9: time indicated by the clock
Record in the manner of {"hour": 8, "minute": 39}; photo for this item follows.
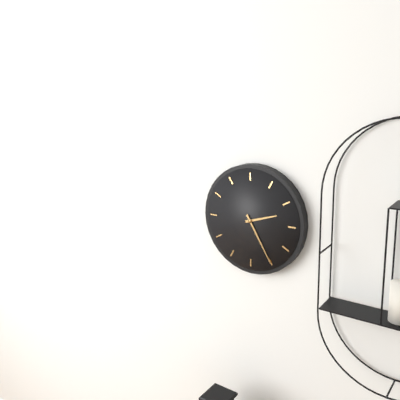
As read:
{"hour": 2, "minute": 25}
